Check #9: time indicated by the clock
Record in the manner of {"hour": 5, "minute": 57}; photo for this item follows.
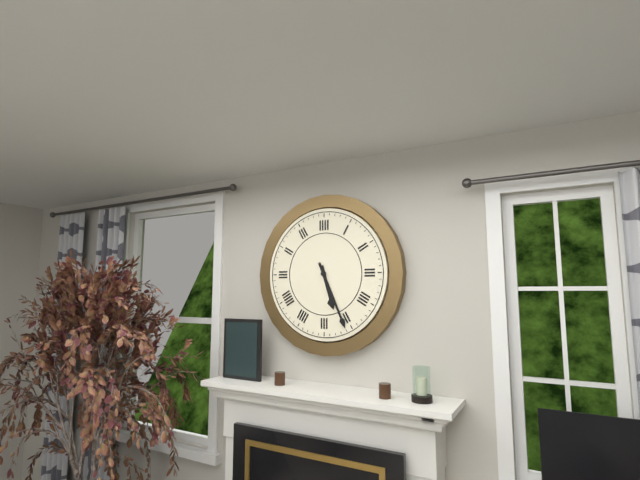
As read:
{"hour": 5, "minute": 26}
